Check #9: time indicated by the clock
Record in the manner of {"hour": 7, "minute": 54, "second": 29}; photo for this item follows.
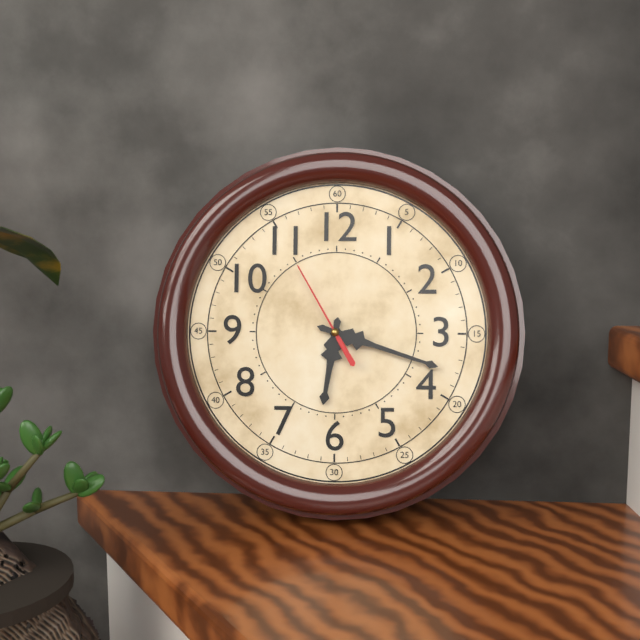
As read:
{"hour": 6, "minute": 18, "second": 55}
